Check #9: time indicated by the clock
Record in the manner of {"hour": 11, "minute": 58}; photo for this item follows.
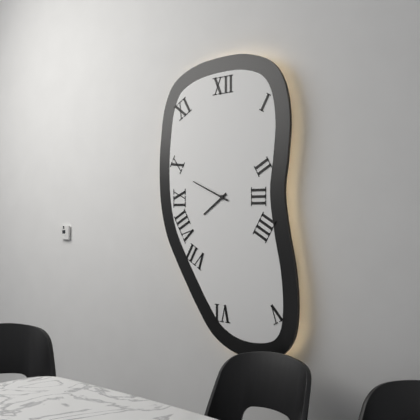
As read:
{"hour": 7, "minute": 49}
